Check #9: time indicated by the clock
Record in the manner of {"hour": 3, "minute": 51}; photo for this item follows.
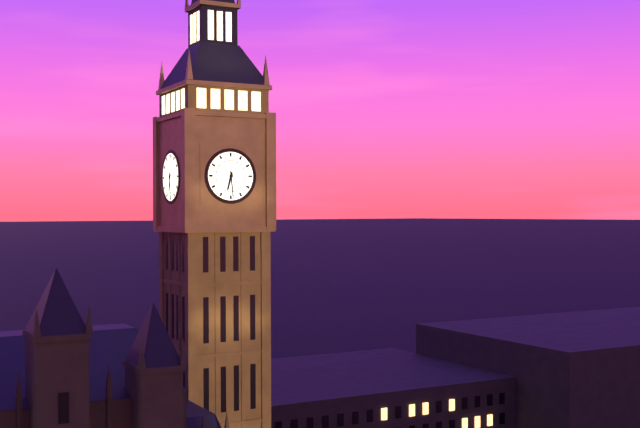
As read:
{"hour": 6, "minute": 29}
